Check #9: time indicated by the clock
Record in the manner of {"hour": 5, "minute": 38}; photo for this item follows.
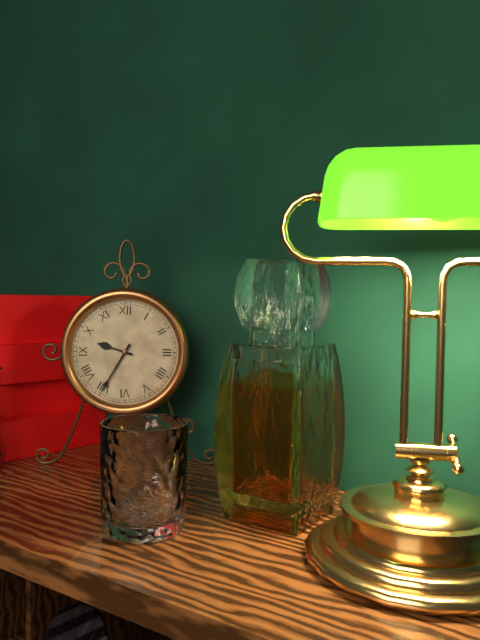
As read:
{"hour": 9, "minute": 35}
